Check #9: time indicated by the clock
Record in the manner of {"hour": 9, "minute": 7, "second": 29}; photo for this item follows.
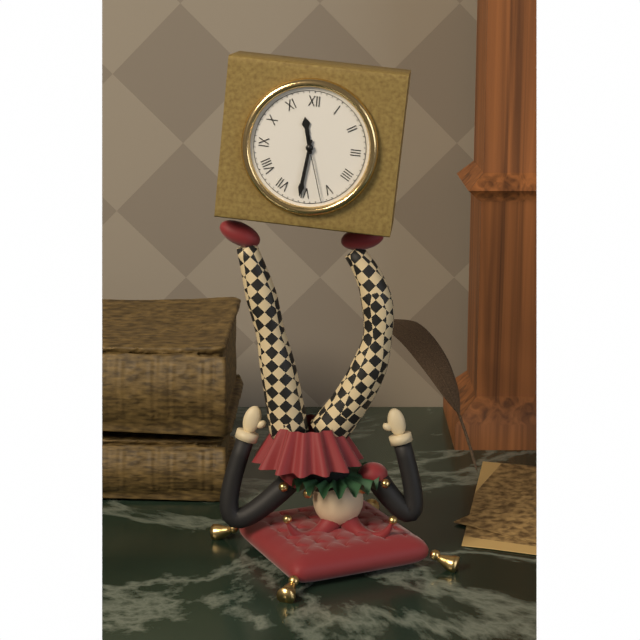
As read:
{"hour": 11, "minute": 31, "second": 27}
